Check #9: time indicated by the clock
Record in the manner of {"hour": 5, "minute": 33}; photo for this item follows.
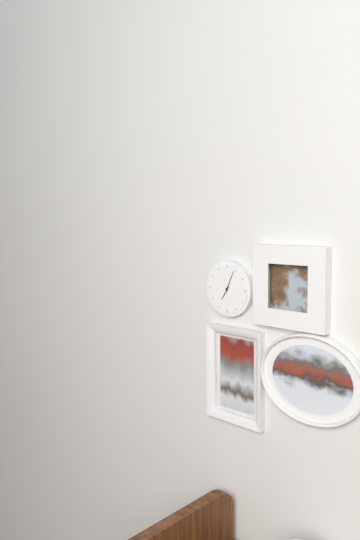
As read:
{"hour": 7, "minute": 4}
